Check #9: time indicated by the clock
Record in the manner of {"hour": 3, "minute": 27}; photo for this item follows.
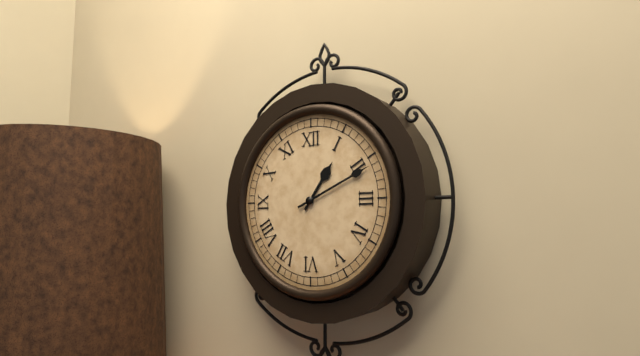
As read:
{"hour": 1, "minute": 11}
